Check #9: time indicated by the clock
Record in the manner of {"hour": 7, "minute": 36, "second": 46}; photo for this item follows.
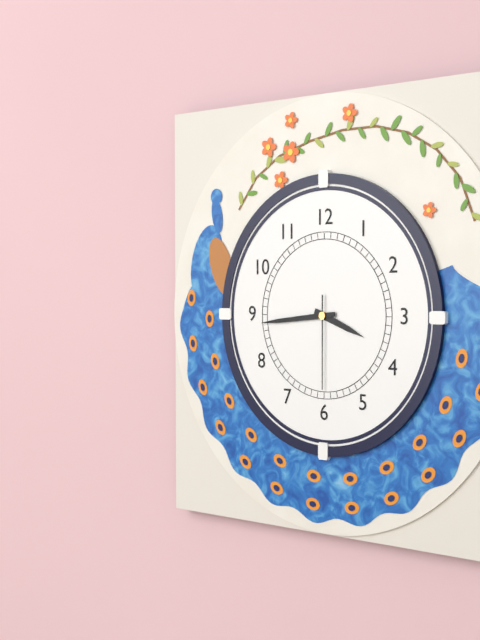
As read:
{"hour": 3, "minute": 44, "second": 30}
